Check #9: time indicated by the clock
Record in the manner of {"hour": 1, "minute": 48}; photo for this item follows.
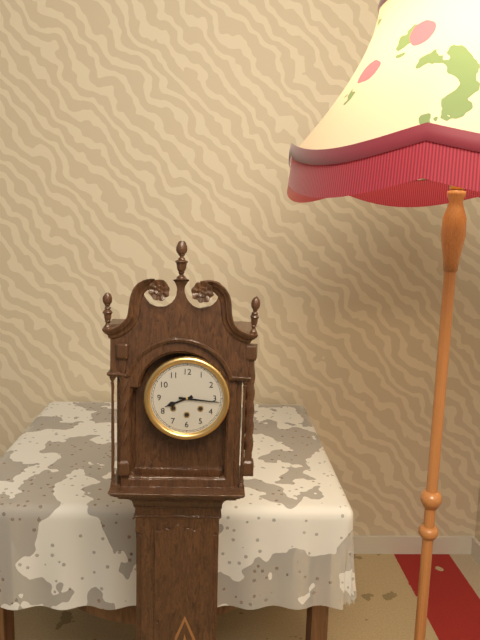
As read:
{"hour": 8, "minute": 16}
